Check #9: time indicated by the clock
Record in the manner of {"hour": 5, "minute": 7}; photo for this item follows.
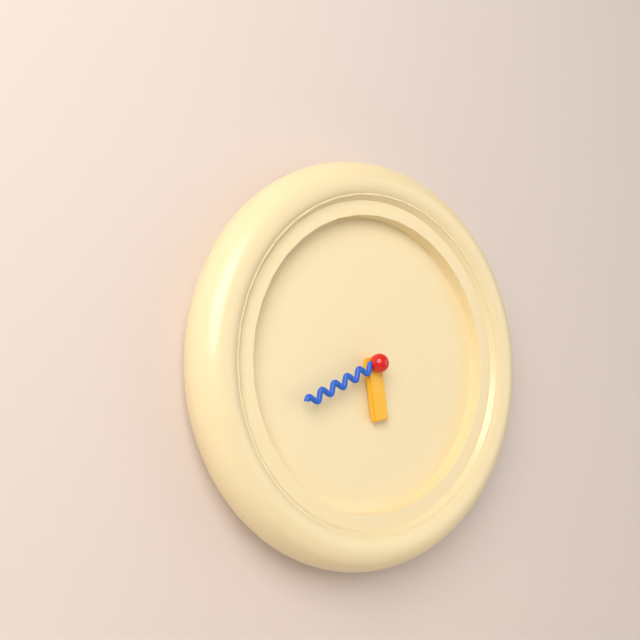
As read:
{"hour": 5, "minute": 41}
